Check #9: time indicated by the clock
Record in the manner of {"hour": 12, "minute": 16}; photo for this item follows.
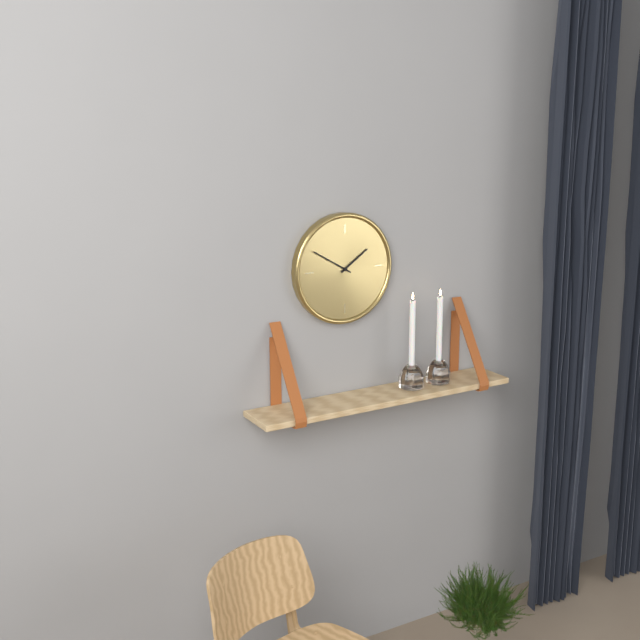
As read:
{"hour": 1, "minute": 50}
